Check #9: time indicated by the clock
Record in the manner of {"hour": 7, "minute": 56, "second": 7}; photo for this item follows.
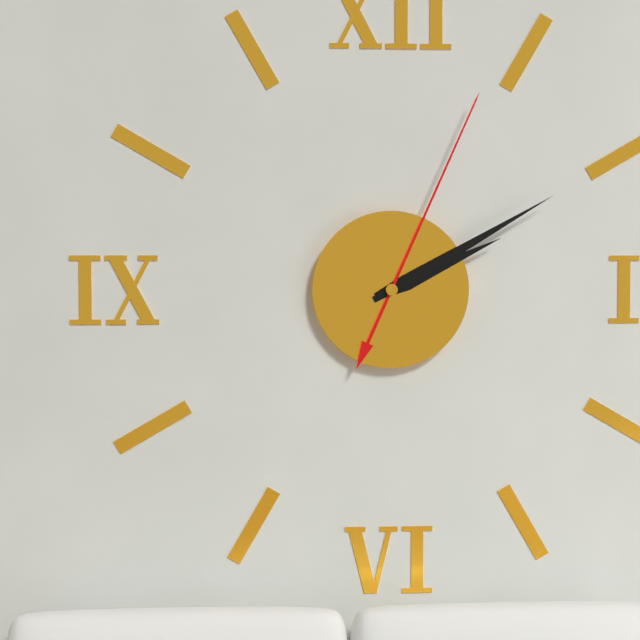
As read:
{"hour": 2, "minute": 10, "second": 4}
